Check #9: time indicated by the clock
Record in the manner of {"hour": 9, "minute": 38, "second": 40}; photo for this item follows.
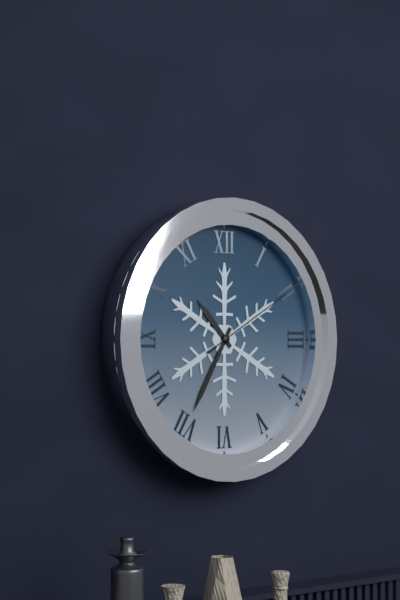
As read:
{"hour": 10, "minute": 35, "second": 10}
